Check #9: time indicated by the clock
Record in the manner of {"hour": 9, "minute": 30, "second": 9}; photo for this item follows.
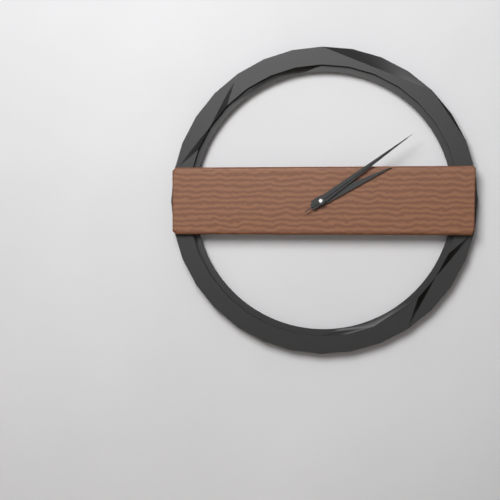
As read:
{"hour": 2, "minute": 9, "second": 9}
